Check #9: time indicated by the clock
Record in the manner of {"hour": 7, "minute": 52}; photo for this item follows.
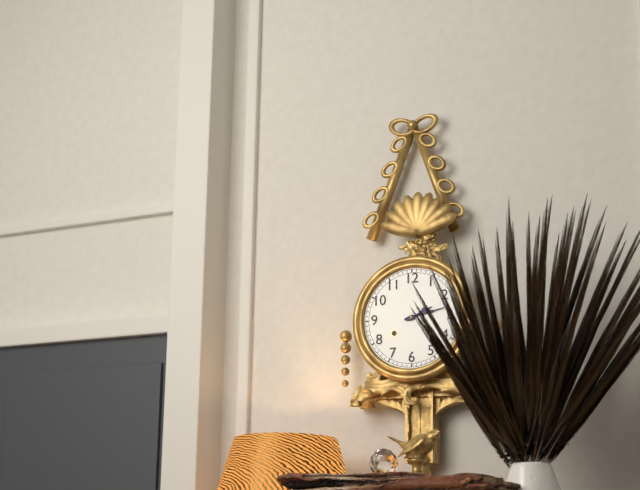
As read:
{"hour": 2, "minute": 13}
